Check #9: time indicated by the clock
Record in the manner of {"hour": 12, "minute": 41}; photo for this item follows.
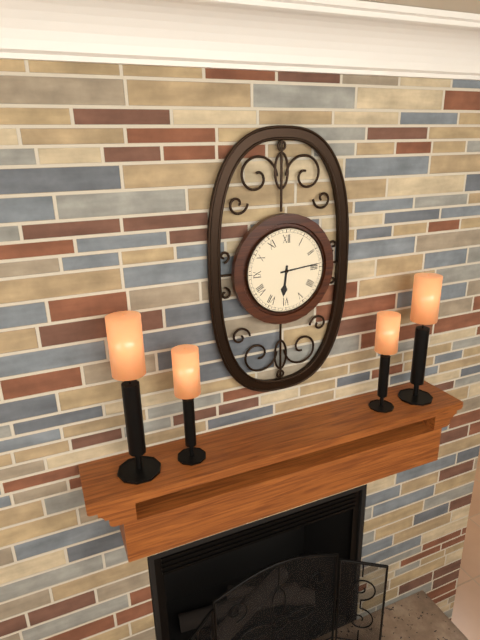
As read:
{"hour": 6, "minute": 14}
